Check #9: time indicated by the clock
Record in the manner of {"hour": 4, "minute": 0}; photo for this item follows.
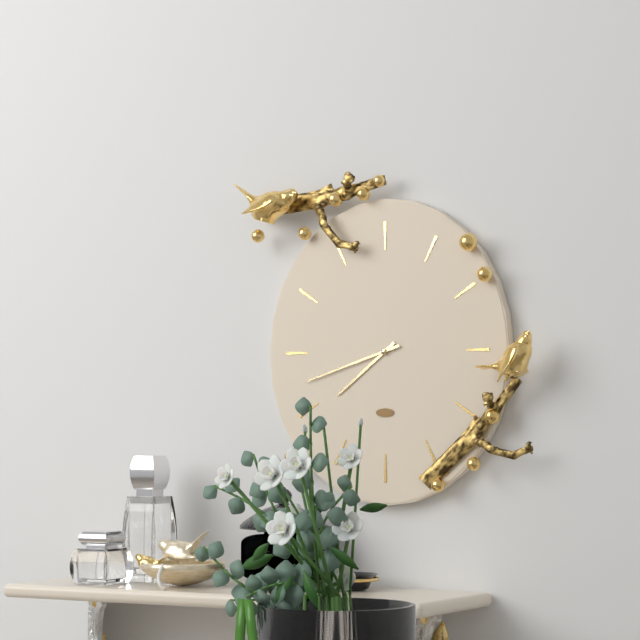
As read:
{"hour": 7, "minute": 42}
